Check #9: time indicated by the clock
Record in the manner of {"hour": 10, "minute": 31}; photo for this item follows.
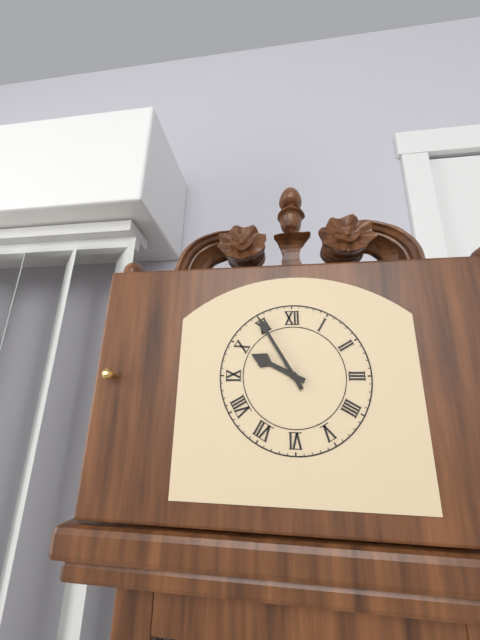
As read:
{"hour": 9, "minute": 55}
